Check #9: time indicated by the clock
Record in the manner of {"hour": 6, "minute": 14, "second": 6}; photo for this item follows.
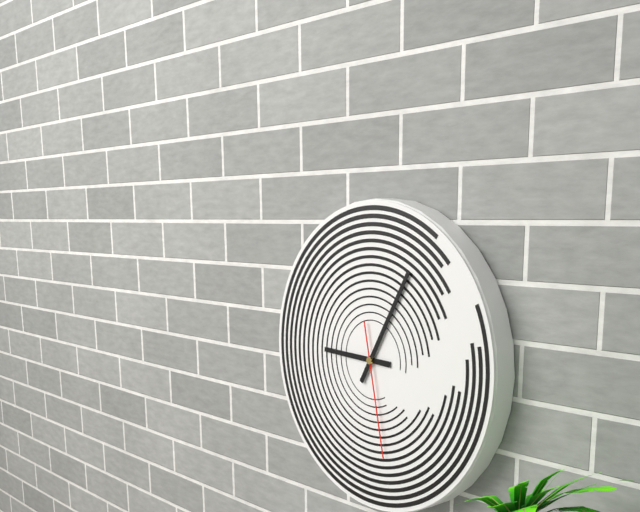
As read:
{"hour": 9, "minute": 5, "second": 28}
